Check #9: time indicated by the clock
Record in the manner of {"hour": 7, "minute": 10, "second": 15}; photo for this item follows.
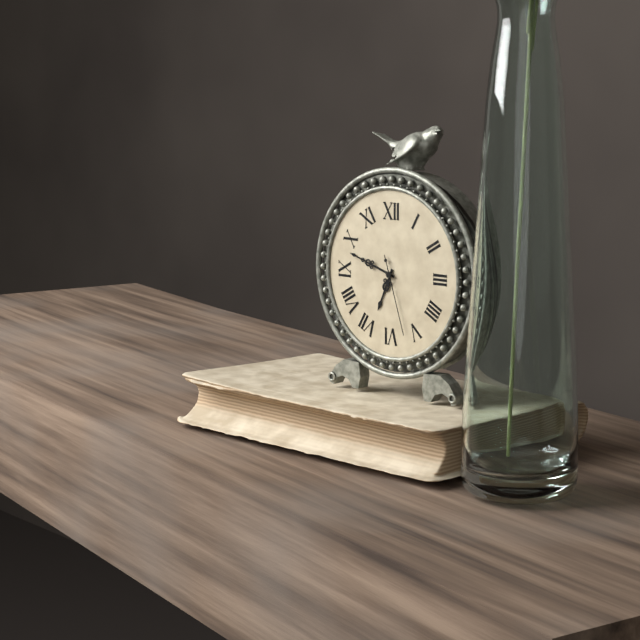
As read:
{"hour": 6, "minute": 48, "second": 27}
